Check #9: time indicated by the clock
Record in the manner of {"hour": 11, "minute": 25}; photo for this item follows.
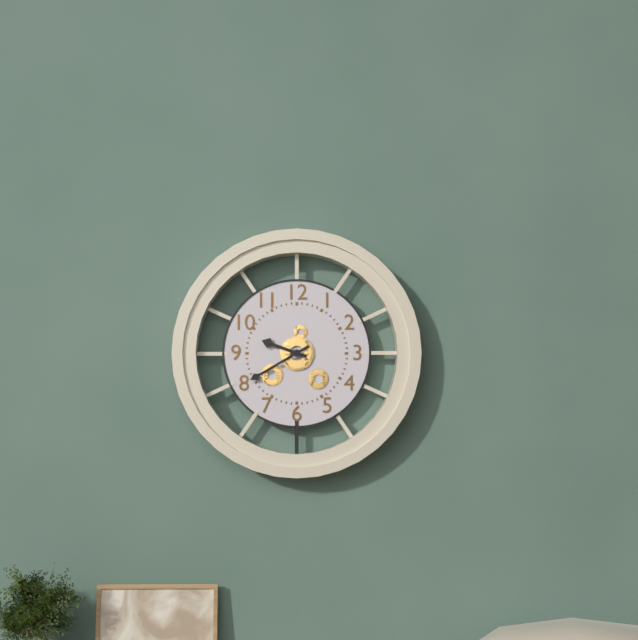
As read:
{"hour": 9, "minute": 40}
